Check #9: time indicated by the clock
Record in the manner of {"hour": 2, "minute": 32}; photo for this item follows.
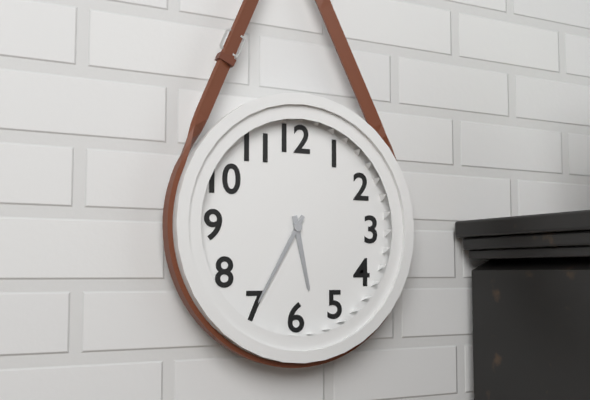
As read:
{"hour": 5, "minute": 35}
